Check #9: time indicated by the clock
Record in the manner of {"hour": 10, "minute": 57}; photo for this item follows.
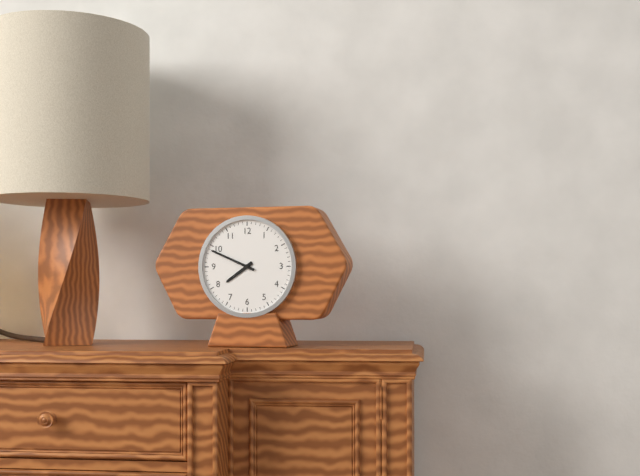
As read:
{"hour": 7, "minute": 49}
